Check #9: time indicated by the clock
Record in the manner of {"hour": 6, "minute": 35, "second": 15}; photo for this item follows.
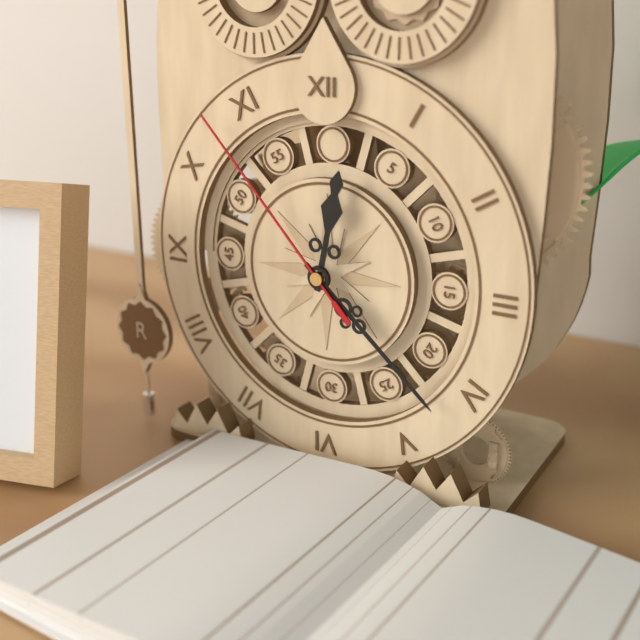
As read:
{"hour": 12, "minute": 22, "second": 53}
